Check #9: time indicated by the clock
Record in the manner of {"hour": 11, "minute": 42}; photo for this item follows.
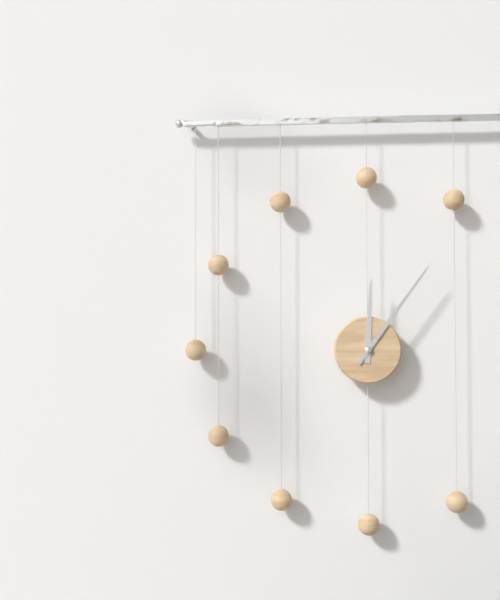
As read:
{"hour": 12, "minute": 6}
